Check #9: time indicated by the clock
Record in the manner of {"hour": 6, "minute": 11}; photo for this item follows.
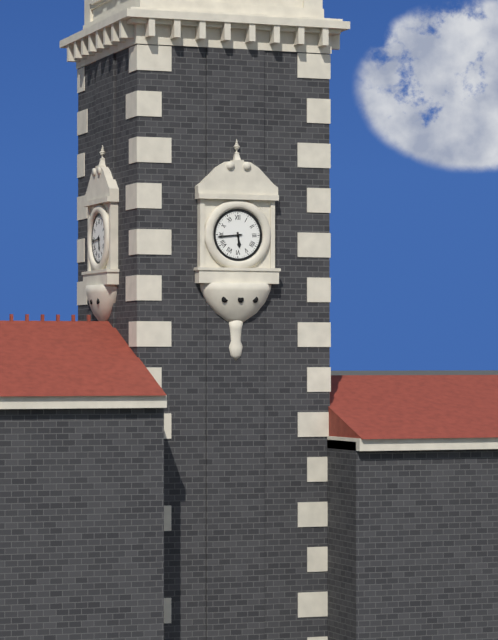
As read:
{"hour": 5, "minute": 44}
